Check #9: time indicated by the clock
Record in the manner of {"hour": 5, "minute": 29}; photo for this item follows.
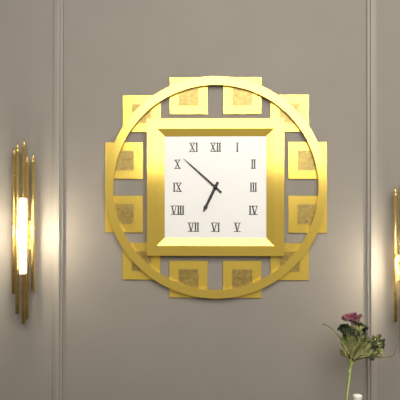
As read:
{"hour": 6, "minute": 52}
